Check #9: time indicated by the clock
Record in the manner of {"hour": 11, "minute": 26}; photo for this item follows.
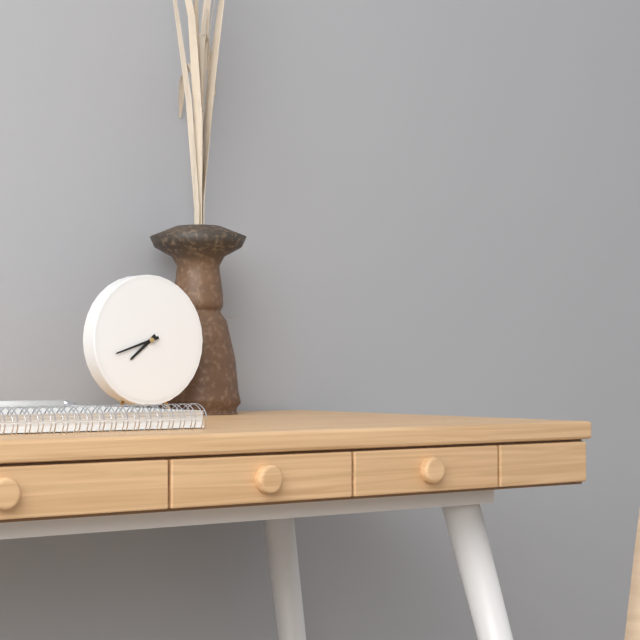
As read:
{"hour": 7, "minute": 42}
